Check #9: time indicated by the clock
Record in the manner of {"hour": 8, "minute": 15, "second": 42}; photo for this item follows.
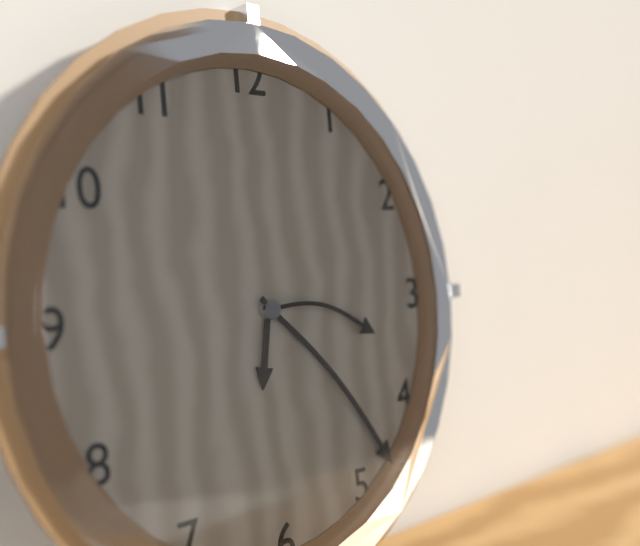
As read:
{"hour": 6, "minute": 23, "second": 17}
